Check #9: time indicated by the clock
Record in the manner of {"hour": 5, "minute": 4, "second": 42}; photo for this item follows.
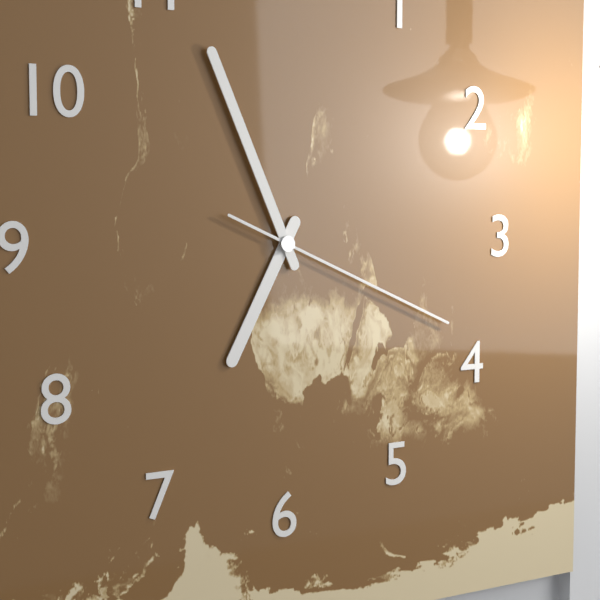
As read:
{"hour": 6, "minute": 56, "second": 19}
